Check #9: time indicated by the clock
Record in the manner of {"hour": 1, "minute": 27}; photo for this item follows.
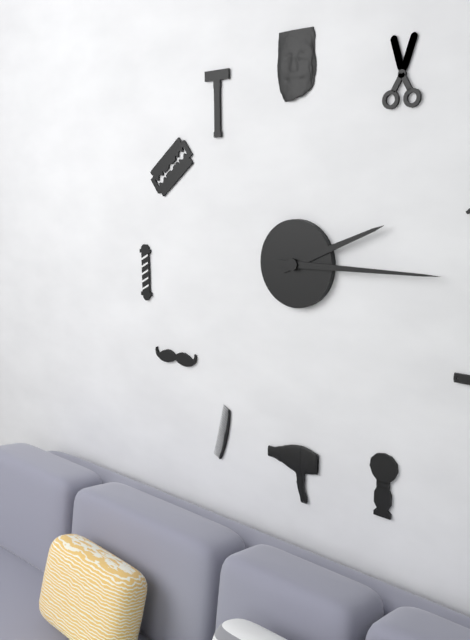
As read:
{"hour": 2, "minute": 15}
